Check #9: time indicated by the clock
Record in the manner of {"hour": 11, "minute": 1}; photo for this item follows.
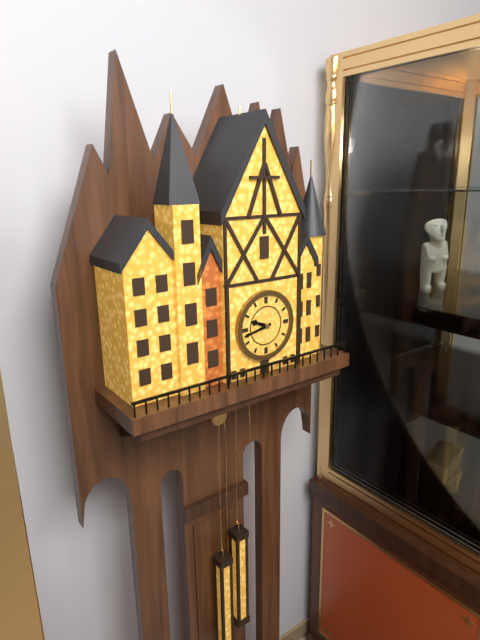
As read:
{"hour": 9, "minute": 43}
